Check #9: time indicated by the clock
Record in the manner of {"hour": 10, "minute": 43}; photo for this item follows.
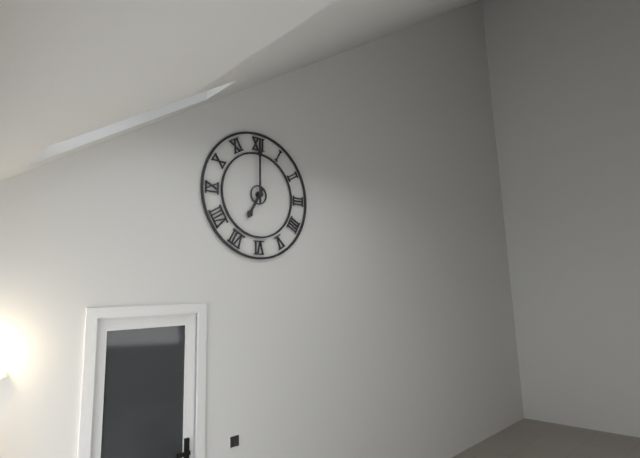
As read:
{"hour": 7, "minute": 0}
